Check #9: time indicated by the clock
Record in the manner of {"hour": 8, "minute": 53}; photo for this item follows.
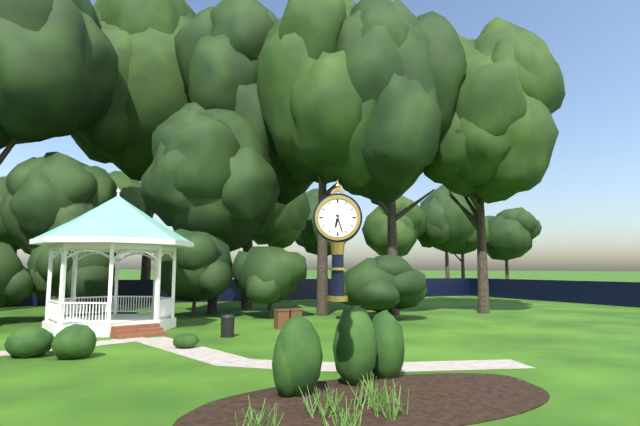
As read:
{"hour": 6, "minute": 27}
